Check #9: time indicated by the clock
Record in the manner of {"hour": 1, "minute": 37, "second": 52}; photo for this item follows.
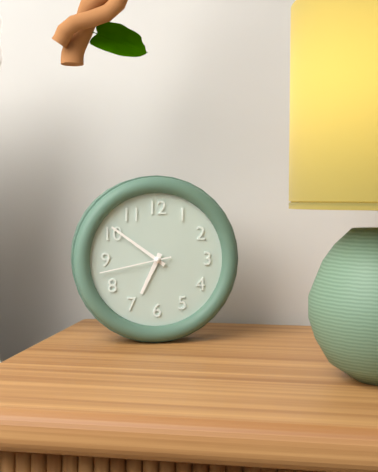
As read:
{"hour": 6, "minute": 51, "second": 43}
